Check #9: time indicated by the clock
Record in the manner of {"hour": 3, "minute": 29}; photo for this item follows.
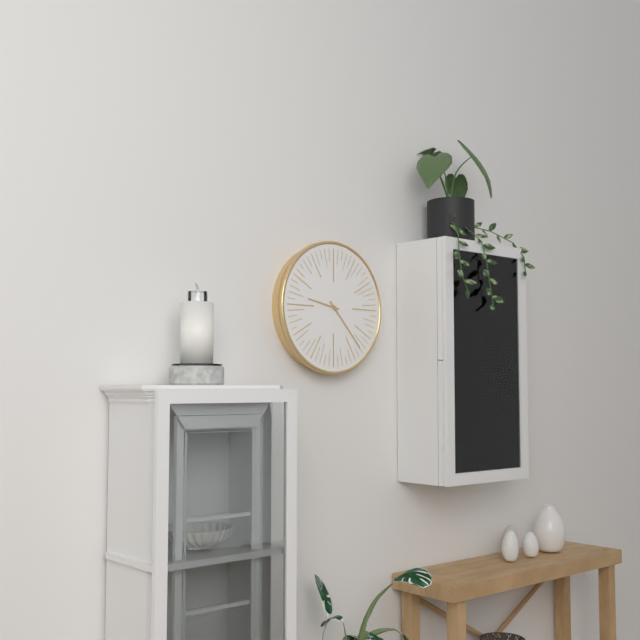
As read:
{"hour": 9, "minute": 23}
